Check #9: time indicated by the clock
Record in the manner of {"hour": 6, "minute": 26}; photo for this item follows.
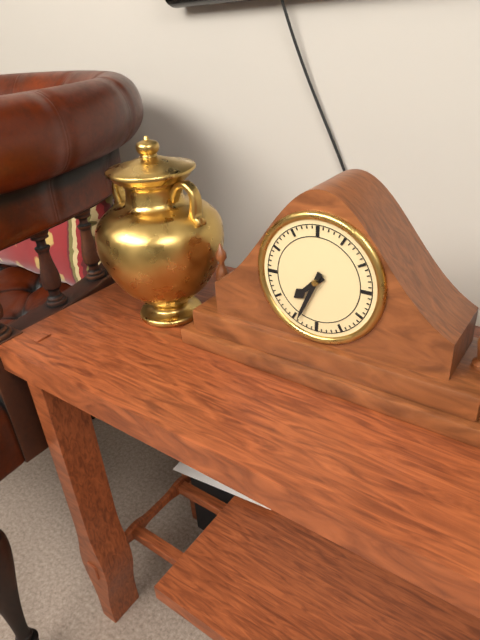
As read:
{"hour": 7, "minute": 34}
